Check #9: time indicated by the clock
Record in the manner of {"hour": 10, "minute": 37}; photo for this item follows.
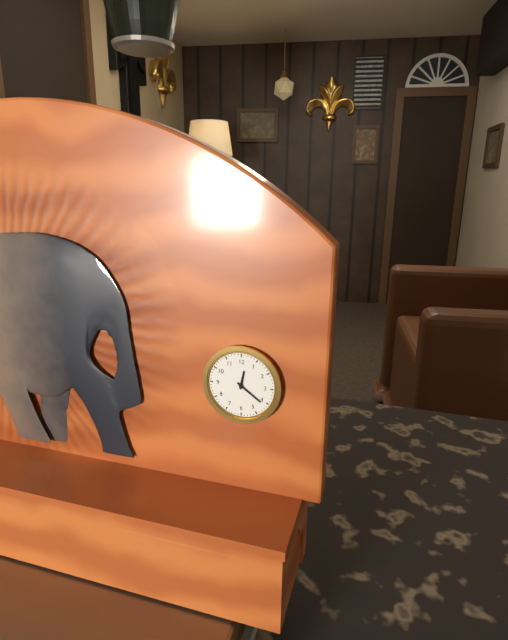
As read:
{"hour": 12, "minute": 21}
